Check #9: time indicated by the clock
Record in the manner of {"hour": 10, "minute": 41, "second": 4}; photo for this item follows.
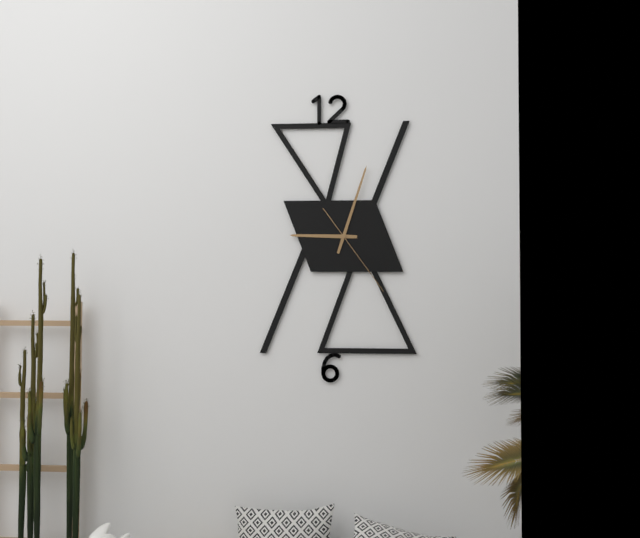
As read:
{"hour": 9, "minute": 3, "second": 24}
